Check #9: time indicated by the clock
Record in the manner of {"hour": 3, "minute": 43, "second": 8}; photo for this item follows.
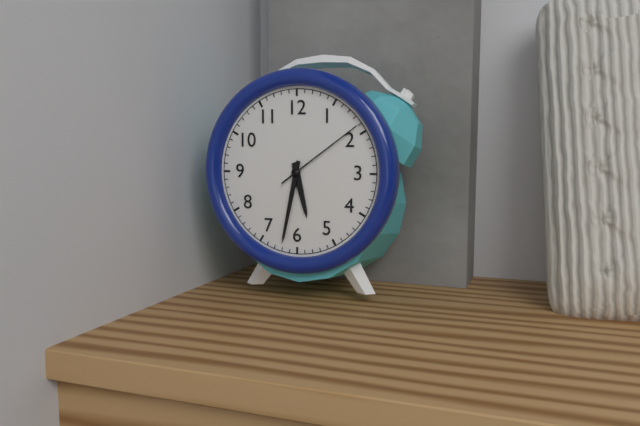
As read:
{"hour": 5, "minute": 32, "second": 9}
